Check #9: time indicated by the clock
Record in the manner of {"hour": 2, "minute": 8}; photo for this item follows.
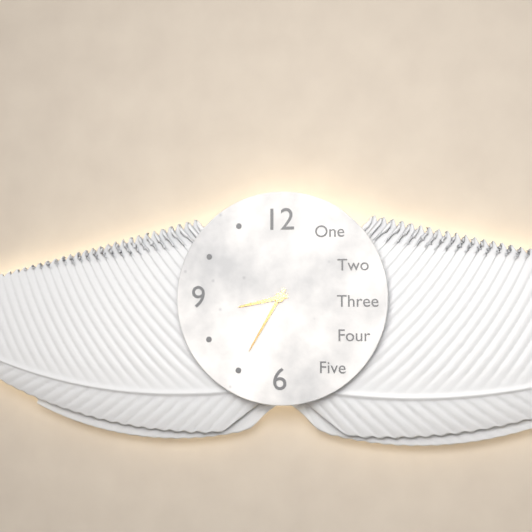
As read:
{"hour": 8, "minute": 35}
